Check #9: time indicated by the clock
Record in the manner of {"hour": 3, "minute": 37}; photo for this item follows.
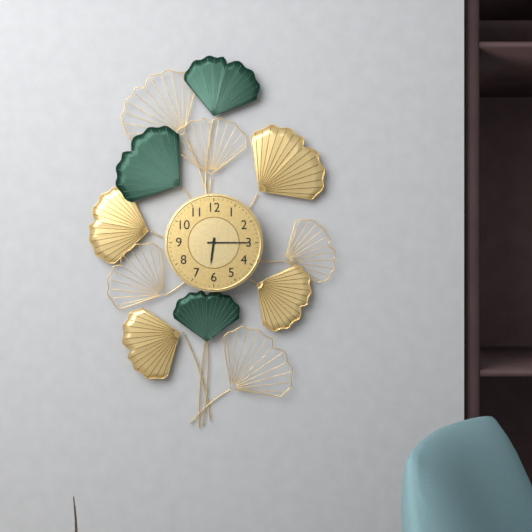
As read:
{"hour": 6, "minute": 15}
